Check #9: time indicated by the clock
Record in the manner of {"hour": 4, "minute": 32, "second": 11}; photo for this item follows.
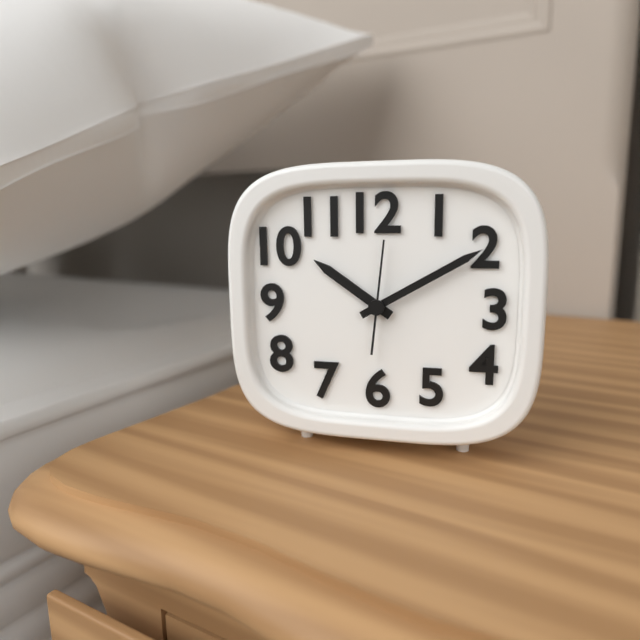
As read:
{"hour": 10, "minute": 10, "second": 1}
